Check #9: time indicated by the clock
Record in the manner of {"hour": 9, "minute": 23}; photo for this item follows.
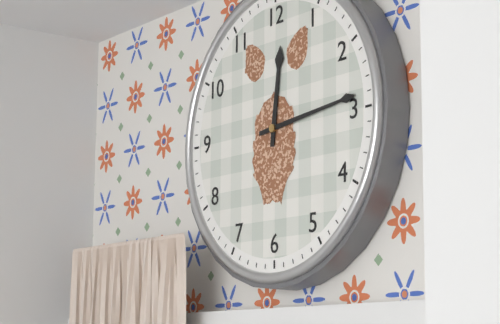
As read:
{"hour": 12, "minute": 14}
